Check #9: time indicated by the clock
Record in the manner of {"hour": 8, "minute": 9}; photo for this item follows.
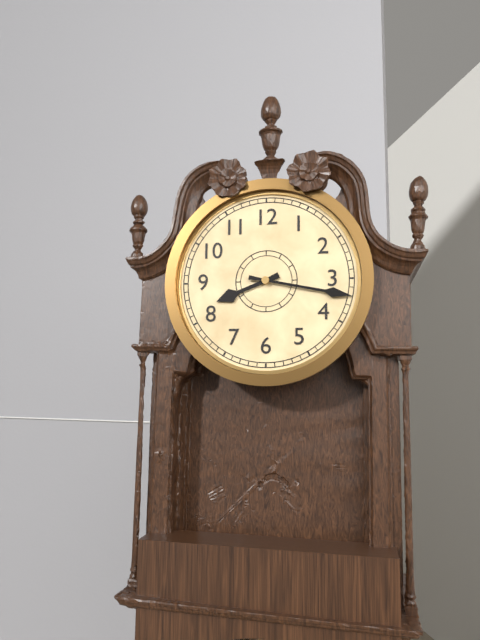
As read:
{"hour": 8, "minute": 17}
